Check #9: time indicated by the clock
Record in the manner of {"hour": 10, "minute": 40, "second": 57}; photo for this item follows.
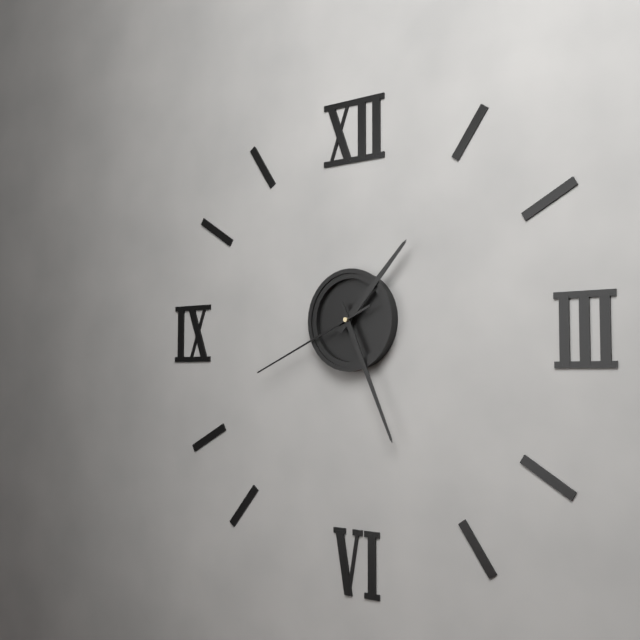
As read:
{"hour": 1, "minute": 26, "second": 41}
